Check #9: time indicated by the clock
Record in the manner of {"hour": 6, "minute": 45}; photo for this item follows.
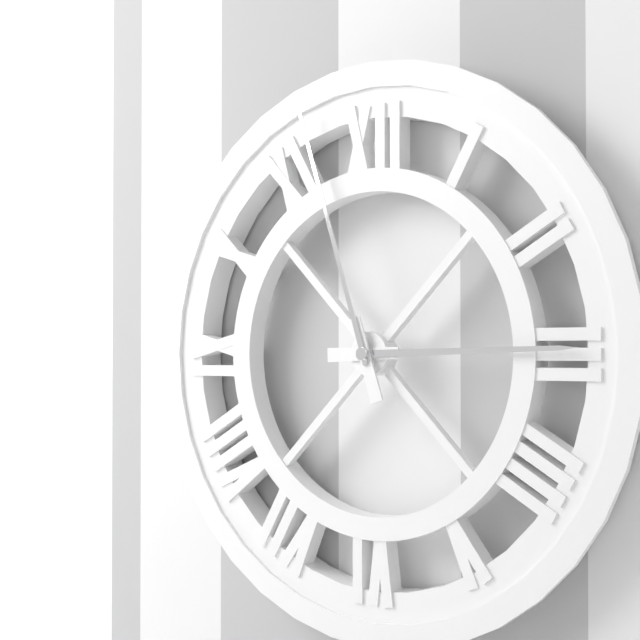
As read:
{"hour": 2, "minute": 57}
